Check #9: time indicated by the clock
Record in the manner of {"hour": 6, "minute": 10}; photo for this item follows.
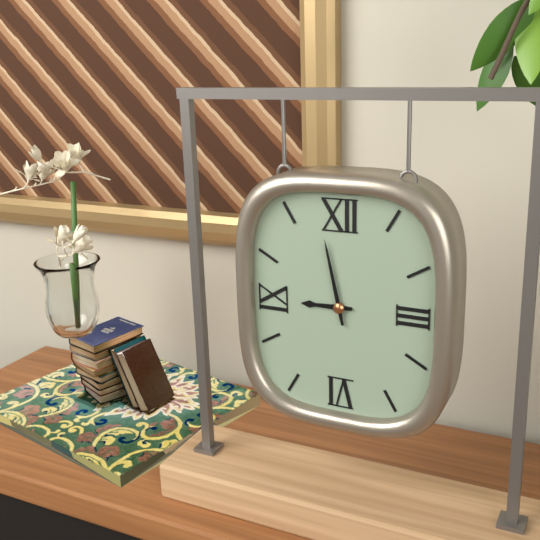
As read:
{"hour": 8, "minute": 58}
